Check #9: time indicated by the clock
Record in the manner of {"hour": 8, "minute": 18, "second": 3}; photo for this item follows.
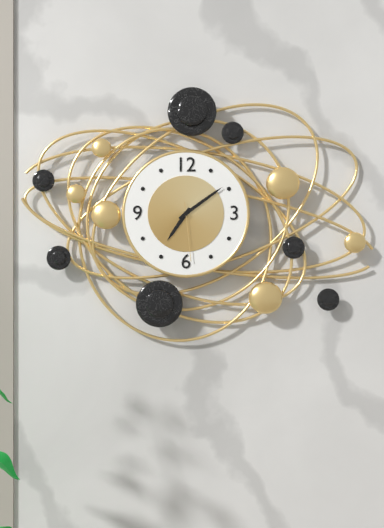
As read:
{"hour": 7, "minute": 9, "second": 29}
